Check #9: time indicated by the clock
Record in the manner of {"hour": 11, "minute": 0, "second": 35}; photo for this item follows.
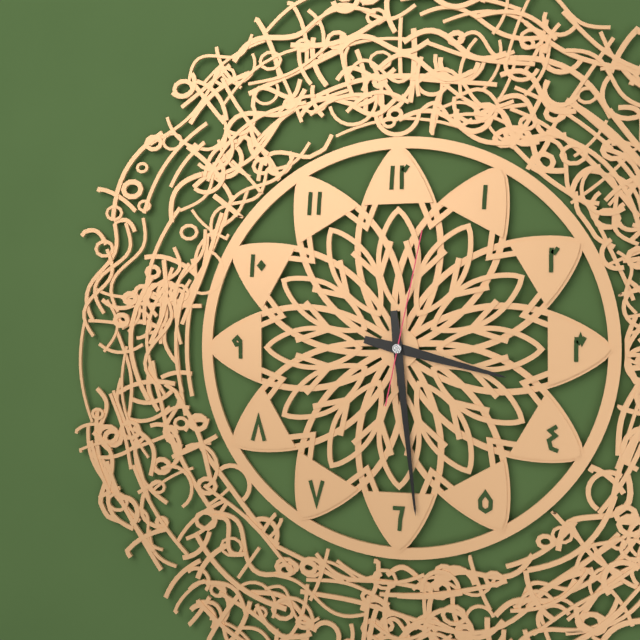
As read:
{"hour": 3, "minute": 29, "second": 2}
